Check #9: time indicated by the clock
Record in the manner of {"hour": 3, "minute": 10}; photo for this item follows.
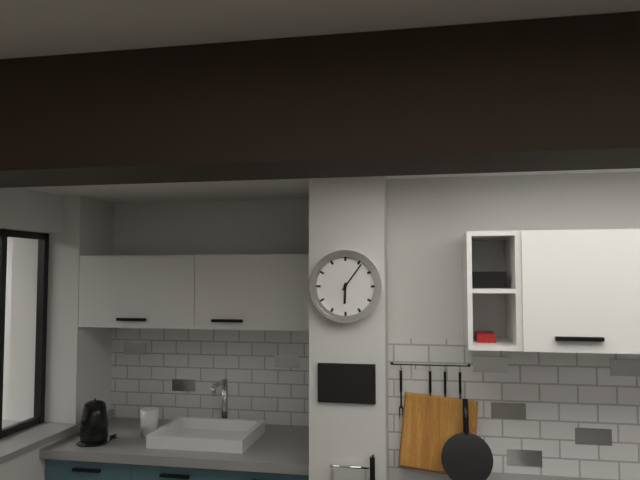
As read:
{"hour": 6, "minute": 6}
